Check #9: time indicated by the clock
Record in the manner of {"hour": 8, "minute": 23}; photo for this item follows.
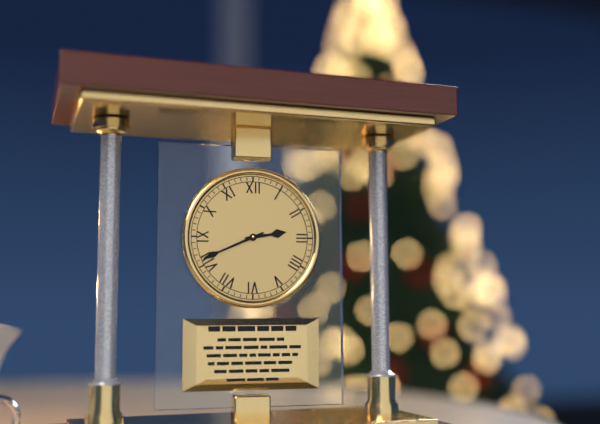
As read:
{"hour": 2, "minute": 41}
